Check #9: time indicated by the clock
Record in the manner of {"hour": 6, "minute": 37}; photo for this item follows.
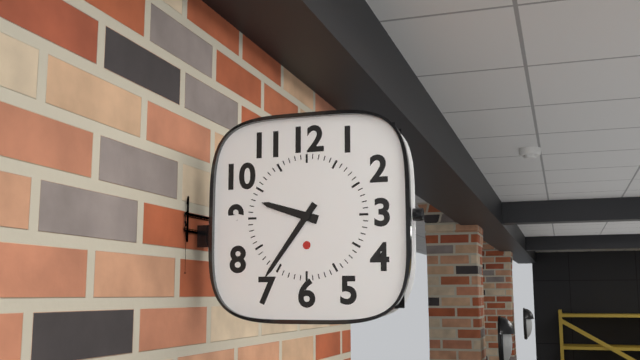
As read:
{"hour": 9, "minute": 36}
